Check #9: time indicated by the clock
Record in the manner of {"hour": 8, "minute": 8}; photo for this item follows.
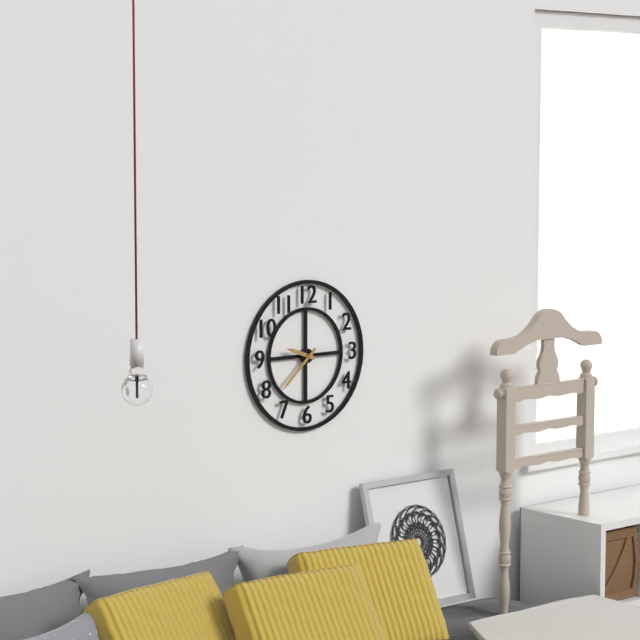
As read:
{"hour": 9, "minute": 38}
